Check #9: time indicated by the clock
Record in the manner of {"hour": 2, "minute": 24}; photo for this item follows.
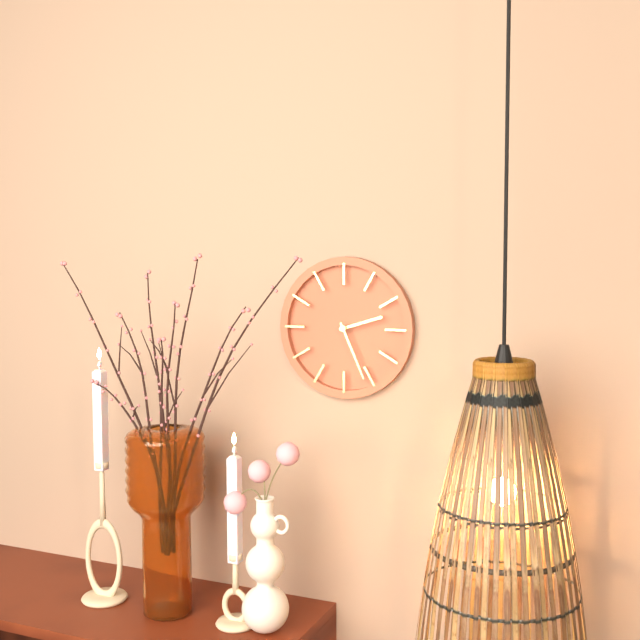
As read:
{"hour": 2, "minute": 26}
